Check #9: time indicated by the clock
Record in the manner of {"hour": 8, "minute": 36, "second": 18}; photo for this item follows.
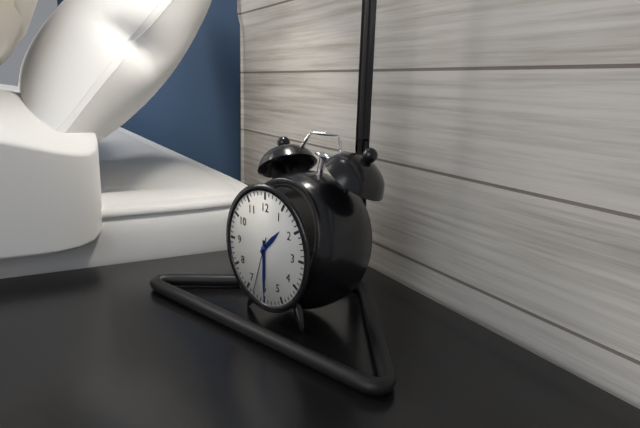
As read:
{"hour": 1, "minute": 30, "second": 33}
